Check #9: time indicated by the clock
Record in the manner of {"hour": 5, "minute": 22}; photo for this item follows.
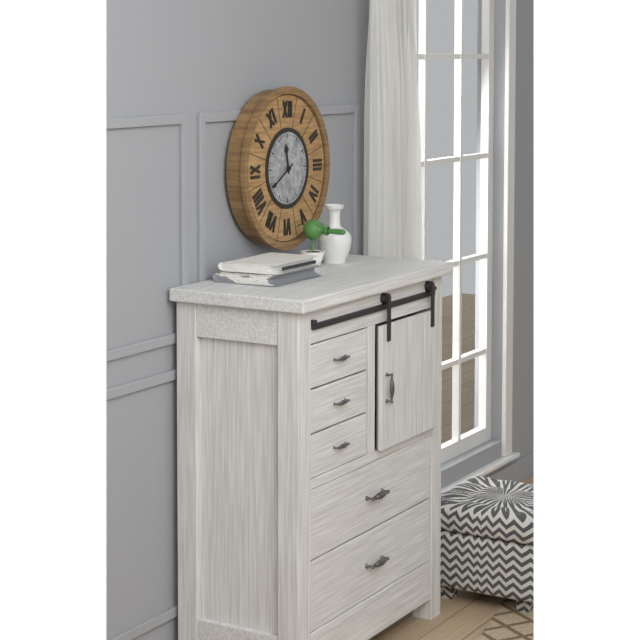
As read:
{"hour": 11, "minute": 40}
